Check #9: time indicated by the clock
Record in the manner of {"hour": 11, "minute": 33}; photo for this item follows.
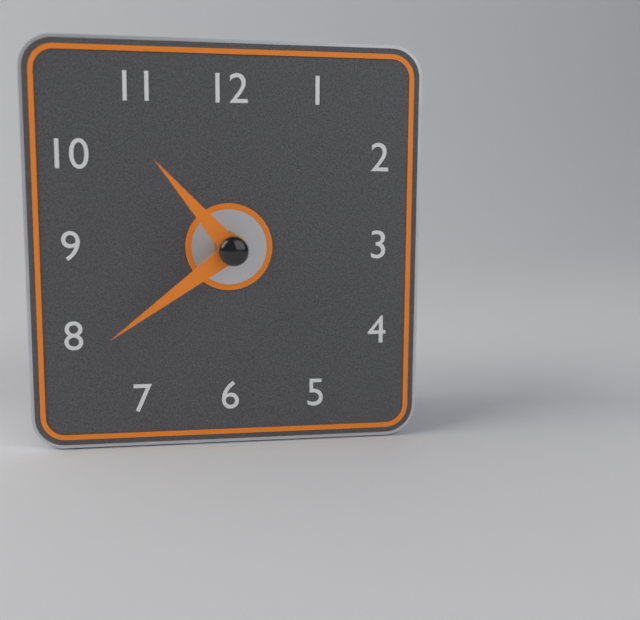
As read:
{"hour": 10, "minute": 39}
